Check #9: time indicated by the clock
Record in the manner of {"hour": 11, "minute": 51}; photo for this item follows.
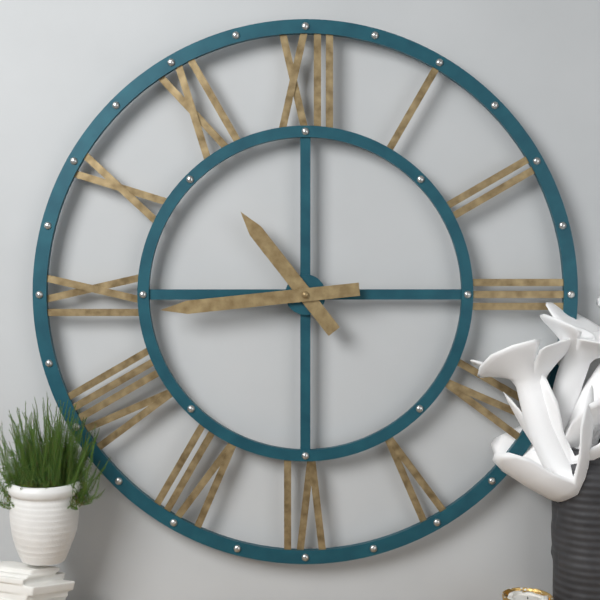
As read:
{"hour": 10, "minute": 44}
